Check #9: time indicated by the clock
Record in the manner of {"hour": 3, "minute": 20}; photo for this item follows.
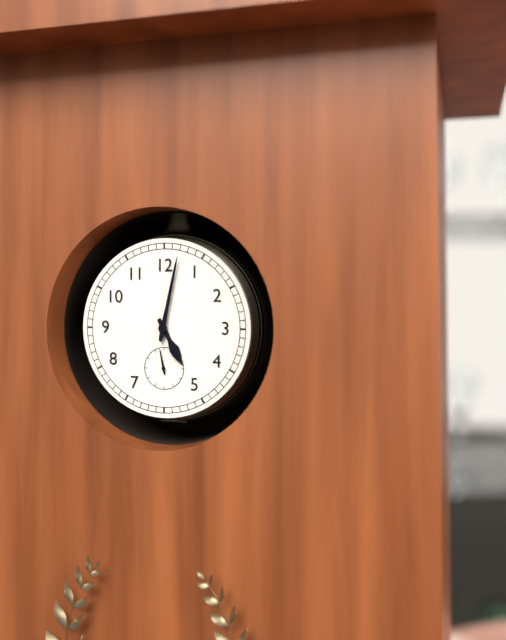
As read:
{"hour": 5, "minute": 2}
